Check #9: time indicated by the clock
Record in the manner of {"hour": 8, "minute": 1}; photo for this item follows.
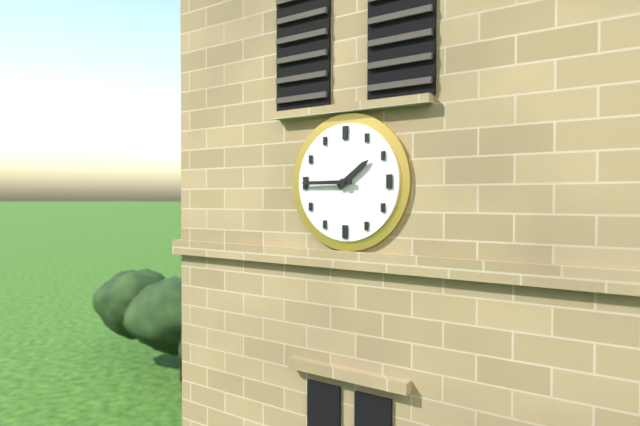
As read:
{"hour": 1, "minute": 45}
